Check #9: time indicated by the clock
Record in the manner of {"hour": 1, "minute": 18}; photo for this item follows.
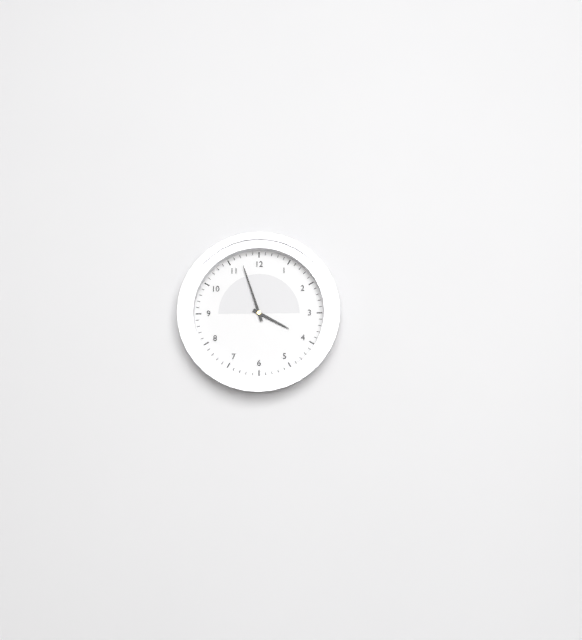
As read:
{"hour": 3, "minute": 57}
